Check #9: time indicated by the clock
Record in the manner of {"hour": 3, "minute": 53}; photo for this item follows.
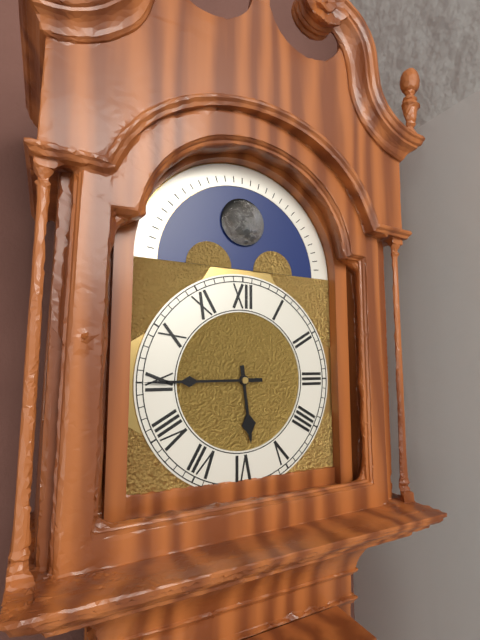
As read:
{"hour": 5, "minute": 45}
